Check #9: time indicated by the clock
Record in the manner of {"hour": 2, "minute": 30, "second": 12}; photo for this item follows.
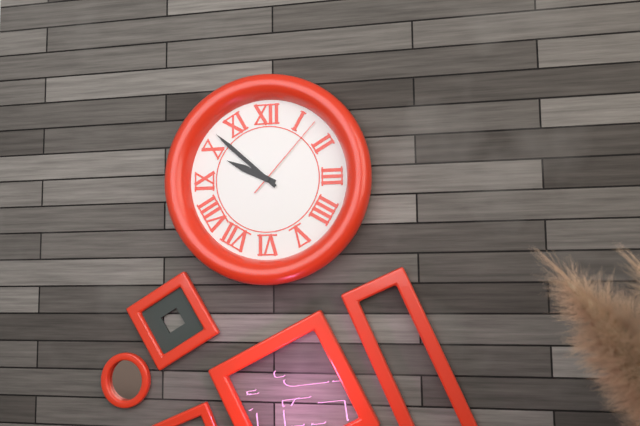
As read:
{"hour": 9, "minute": 52, "second": 7}
